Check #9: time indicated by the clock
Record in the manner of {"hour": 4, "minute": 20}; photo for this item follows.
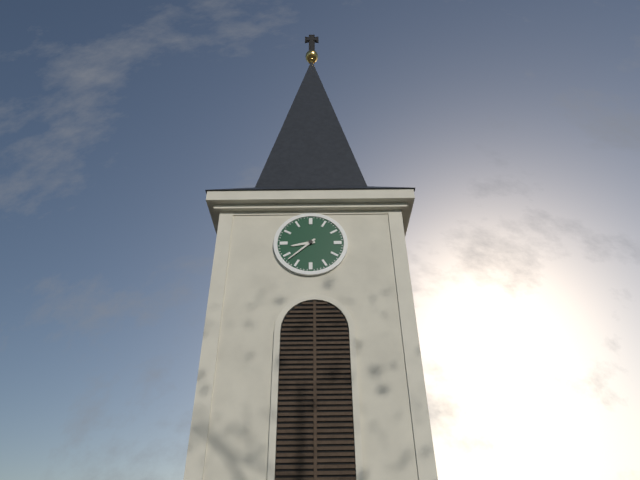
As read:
{"hour": 8, "minute": 38}
